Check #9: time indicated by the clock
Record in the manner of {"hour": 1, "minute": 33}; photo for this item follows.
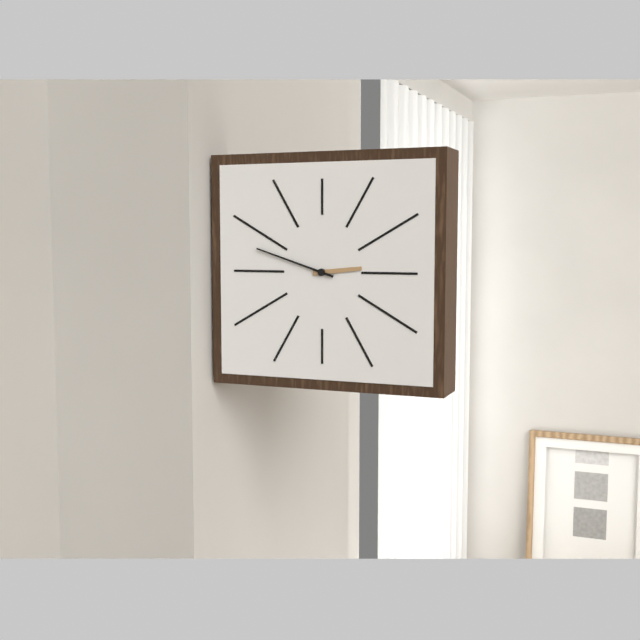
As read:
{"hour": 2, "minute": 48}
